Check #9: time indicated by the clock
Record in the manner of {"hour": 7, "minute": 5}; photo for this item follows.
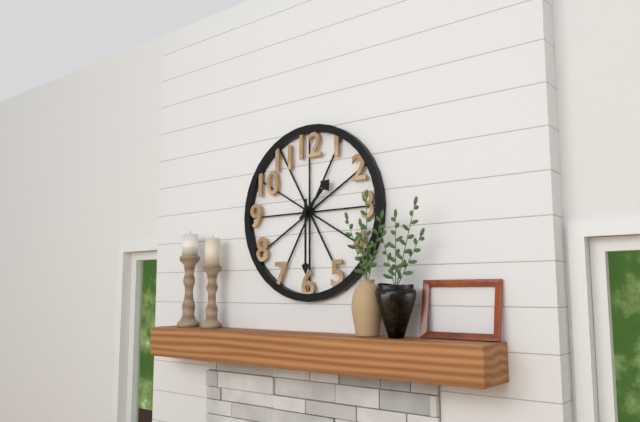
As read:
{"hour": 1, "minute": 30}
